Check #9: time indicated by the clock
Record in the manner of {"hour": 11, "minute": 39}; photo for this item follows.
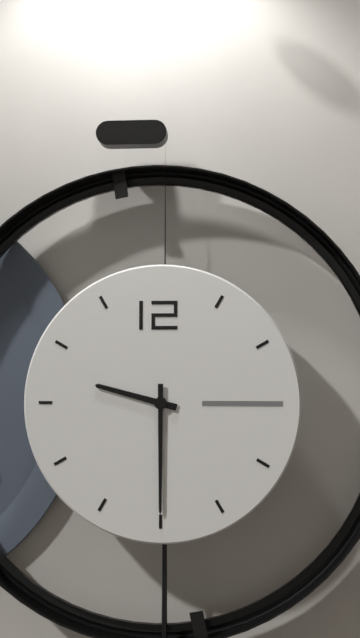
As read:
{"hour": 9, "minute": 30}
